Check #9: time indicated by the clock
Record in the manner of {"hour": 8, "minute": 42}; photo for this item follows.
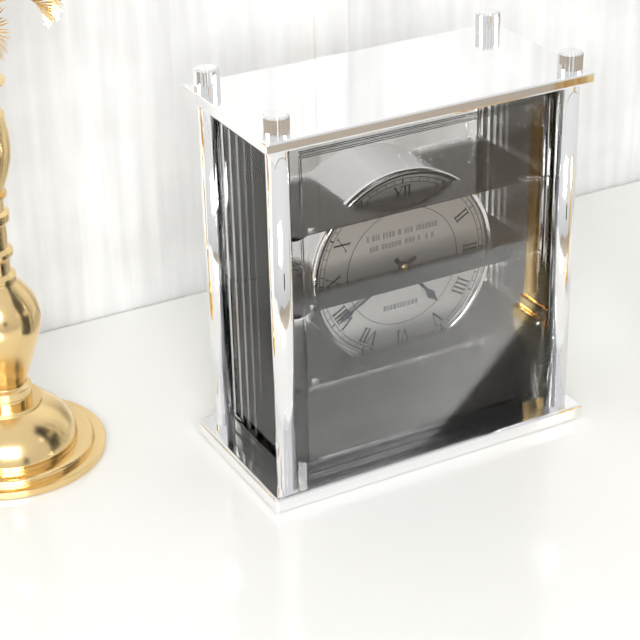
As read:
{"hour": 4, "minute": 40}
